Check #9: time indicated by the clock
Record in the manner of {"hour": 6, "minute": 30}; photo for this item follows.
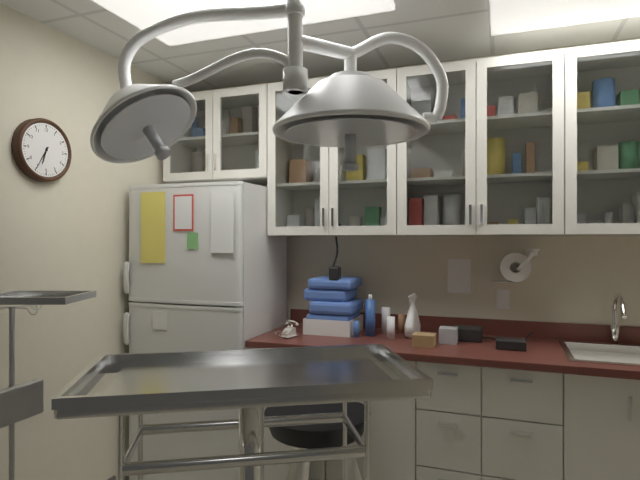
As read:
{"hour": 6, "minute": 35}
